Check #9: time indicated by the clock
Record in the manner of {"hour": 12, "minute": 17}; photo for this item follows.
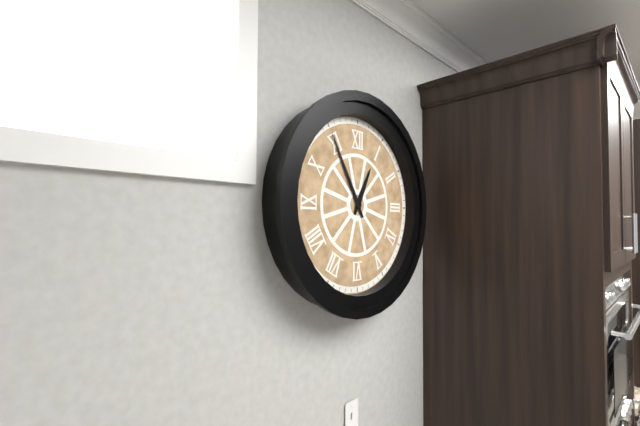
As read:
{"hour": 12, "minute": 55}
